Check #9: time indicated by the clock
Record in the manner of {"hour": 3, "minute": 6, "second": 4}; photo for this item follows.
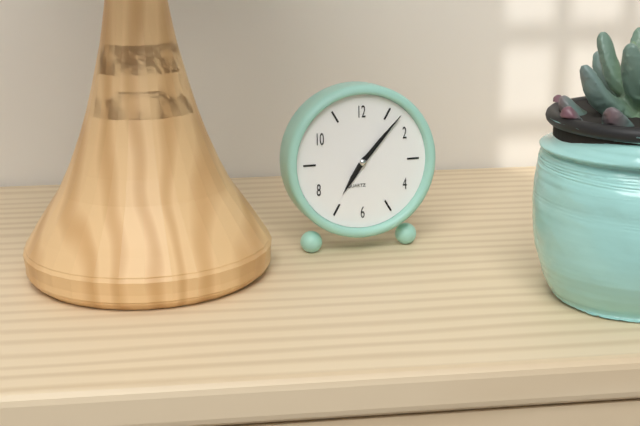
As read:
{"hour": 7, "minute": 7, "second": 7}
